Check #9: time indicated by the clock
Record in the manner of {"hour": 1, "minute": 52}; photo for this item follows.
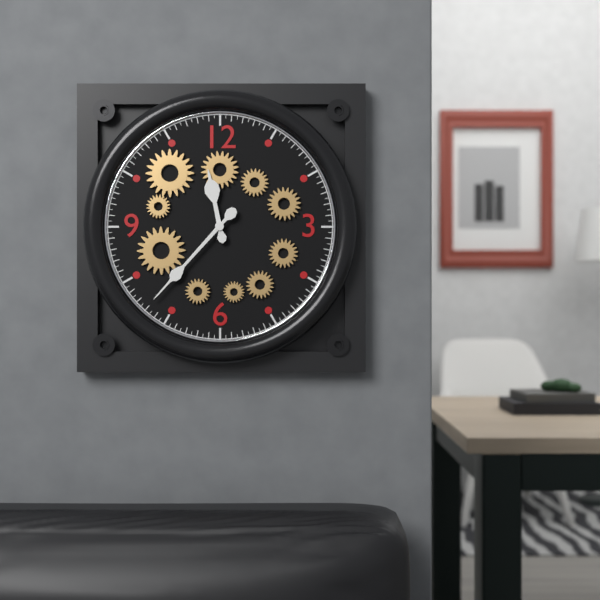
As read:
{"hour": 11, "minute": 37}
